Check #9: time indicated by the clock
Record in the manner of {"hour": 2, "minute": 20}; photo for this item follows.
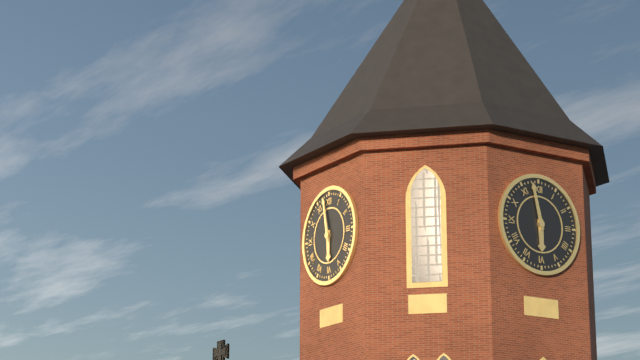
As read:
{"hour": 5, "minute": 58}
